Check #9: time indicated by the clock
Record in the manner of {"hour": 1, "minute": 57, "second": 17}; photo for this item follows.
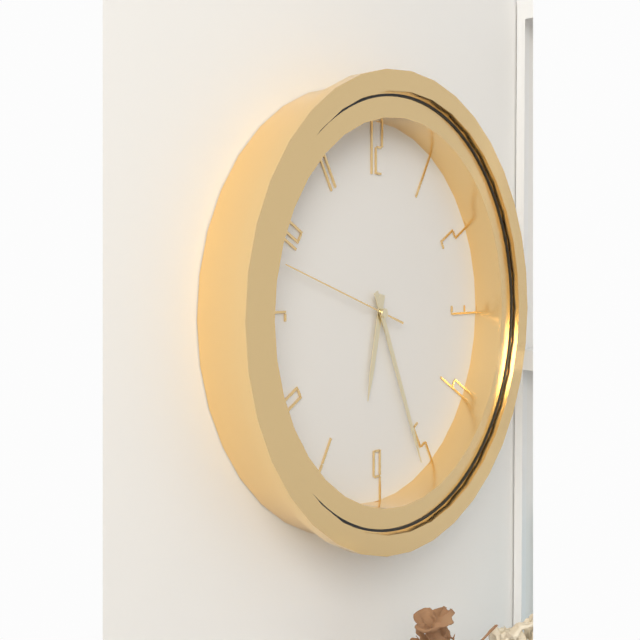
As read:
{"hour": 6, "minute": 26, "second": 48}
